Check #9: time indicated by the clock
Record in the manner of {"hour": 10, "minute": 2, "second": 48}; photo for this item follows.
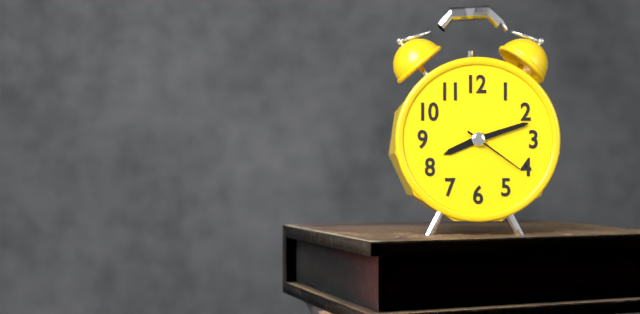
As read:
{"hour": 8, "minute": 12, "second": 21}
